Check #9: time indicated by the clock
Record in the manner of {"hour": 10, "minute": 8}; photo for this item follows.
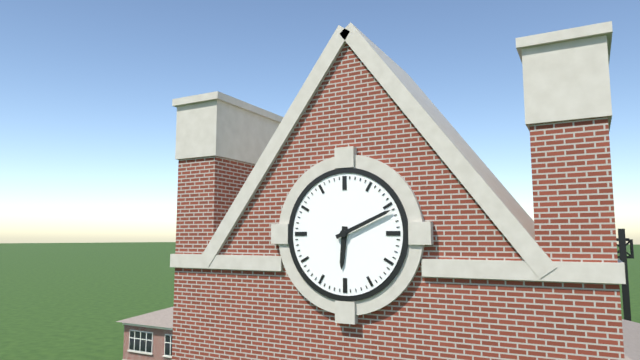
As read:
{"hour": 6, "minute": 11}
